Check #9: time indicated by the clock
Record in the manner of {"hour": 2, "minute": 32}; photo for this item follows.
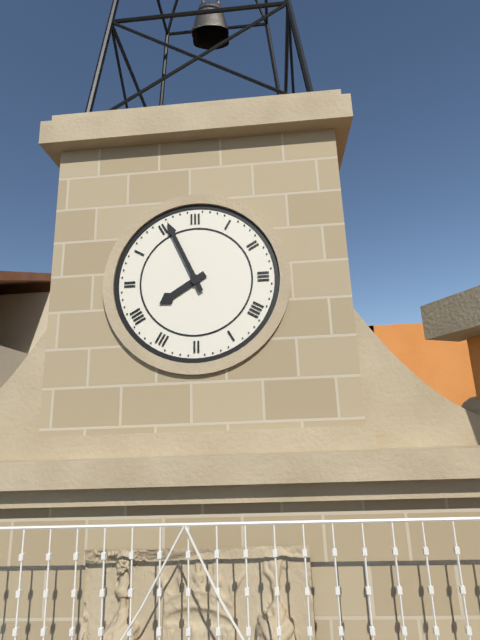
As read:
{"hour": 7, "minute": 56}
